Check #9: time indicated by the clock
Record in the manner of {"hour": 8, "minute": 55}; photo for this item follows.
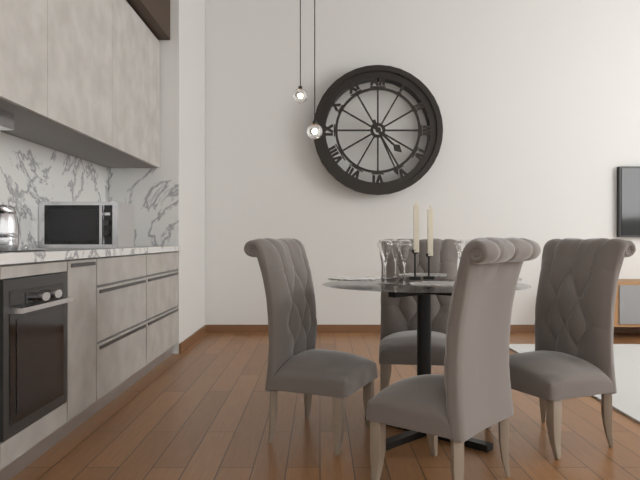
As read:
{"hour": 4, "minute": 26}
